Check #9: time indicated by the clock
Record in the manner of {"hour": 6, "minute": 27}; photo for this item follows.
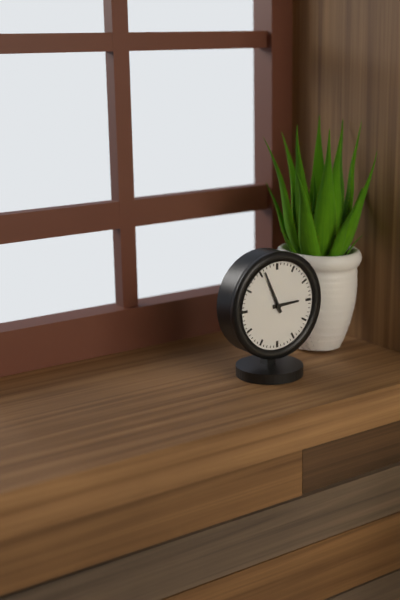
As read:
{"hour": 2, "minute": 56}
